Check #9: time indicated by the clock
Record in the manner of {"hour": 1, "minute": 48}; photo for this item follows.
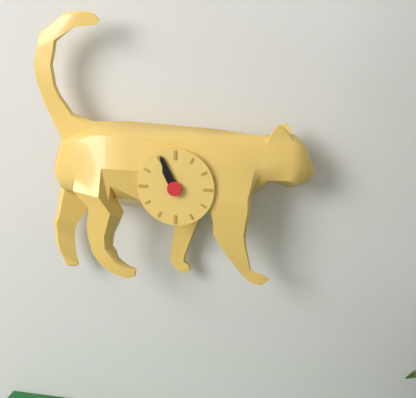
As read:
{"hour": 10, "minute": 56}
